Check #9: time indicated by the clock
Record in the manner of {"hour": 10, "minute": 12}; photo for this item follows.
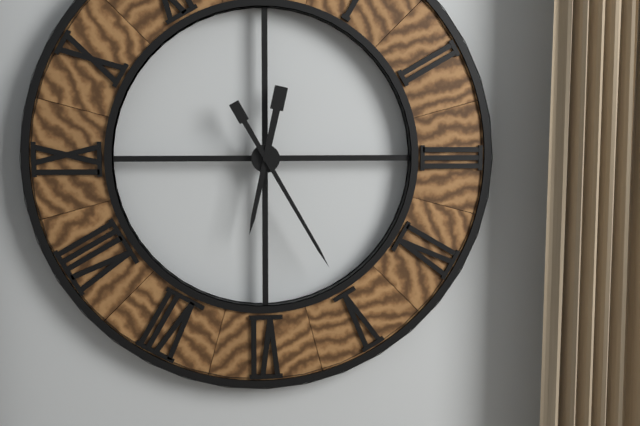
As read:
{"hour": 6, "minute": 25}
